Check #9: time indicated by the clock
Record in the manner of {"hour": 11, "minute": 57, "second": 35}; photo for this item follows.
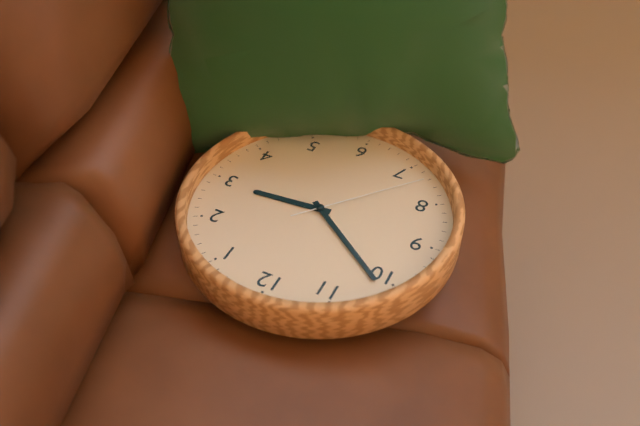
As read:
{"hour": 2, "minute": 51, "second": 37}
